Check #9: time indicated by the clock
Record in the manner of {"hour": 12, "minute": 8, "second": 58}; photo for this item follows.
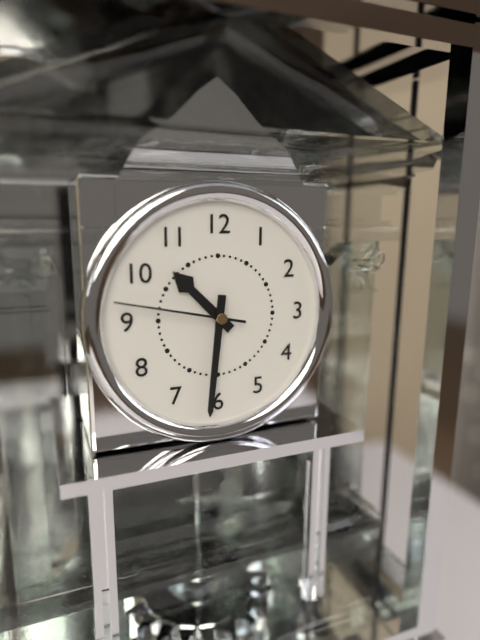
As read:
{"hour": 10, "minute": 31, "second": 47}
